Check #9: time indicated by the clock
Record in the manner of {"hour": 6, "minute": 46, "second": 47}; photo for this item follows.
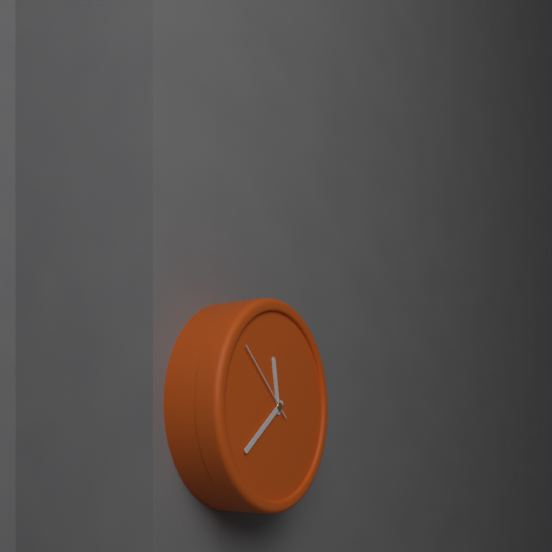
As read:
{"hour": 11, "minute": 39, "second": 52}
